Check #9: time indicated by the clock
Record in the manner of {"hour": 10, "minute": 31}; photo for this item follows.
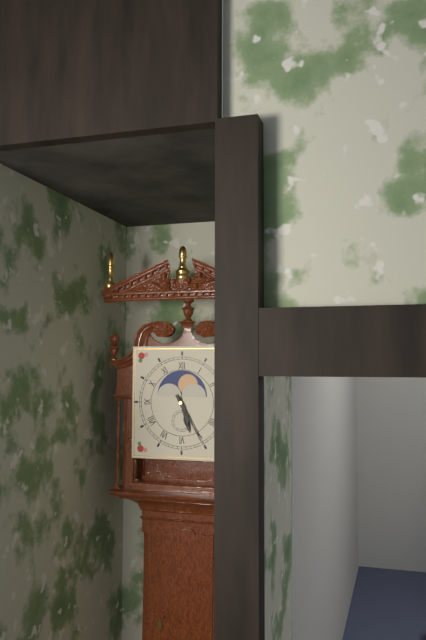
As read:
{"hour": 5, "minute": 25}
